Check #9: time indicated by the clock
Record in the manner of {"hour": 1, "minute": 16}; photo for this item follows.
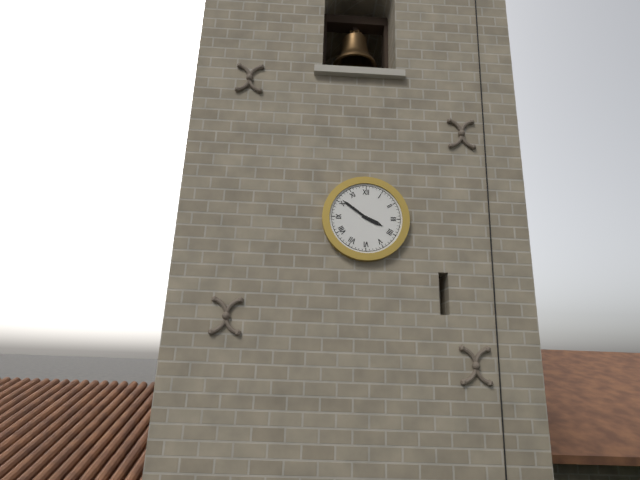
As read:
{"hour": 3, "minute": 51}
